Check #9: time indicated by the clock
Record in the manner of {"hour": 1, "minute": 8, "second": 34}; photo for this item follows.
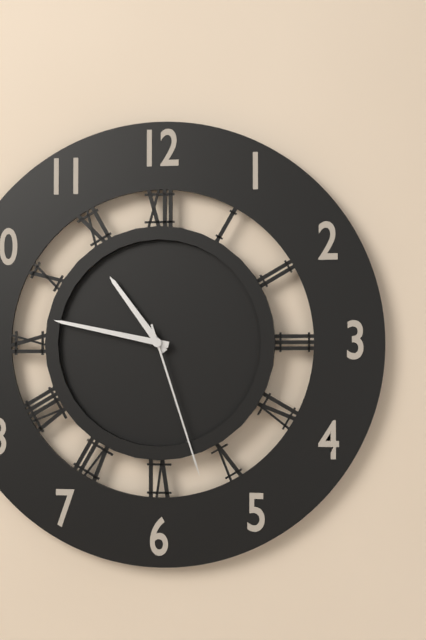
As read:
{"hour": 10, "minute": 47, "second": 27}
